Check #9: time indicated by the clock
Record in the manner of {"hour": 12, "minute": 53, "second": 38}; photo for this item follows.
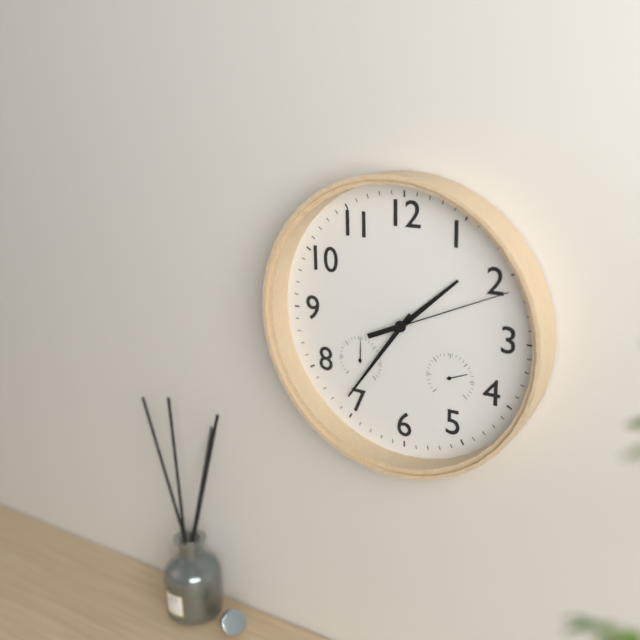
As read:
{"hour": 1, "minute": 36, "second": 11}
